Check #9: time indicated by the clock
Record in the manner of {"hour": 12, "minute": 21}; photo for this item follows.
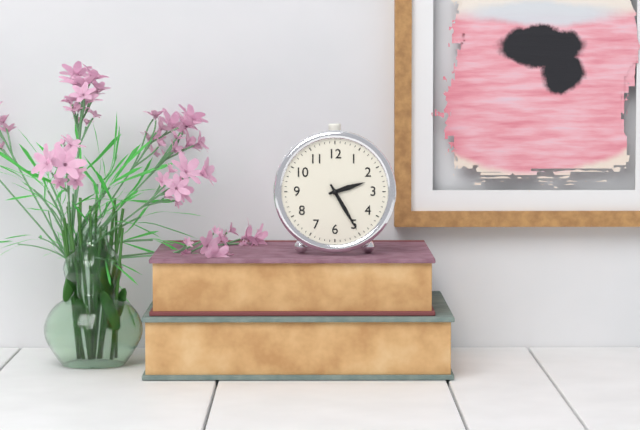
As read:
{"hour": 2, "minute": 25}
